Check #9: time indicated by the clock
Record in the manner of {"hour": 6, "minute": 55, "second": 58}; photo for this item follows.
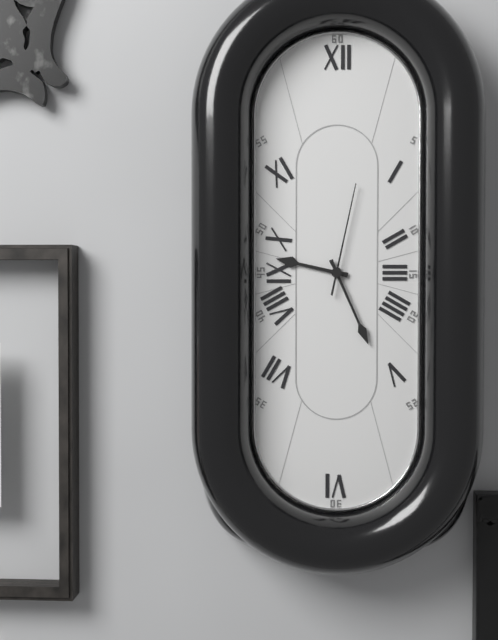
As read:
{"hour": 9, "minute": 26, "second": 2}
